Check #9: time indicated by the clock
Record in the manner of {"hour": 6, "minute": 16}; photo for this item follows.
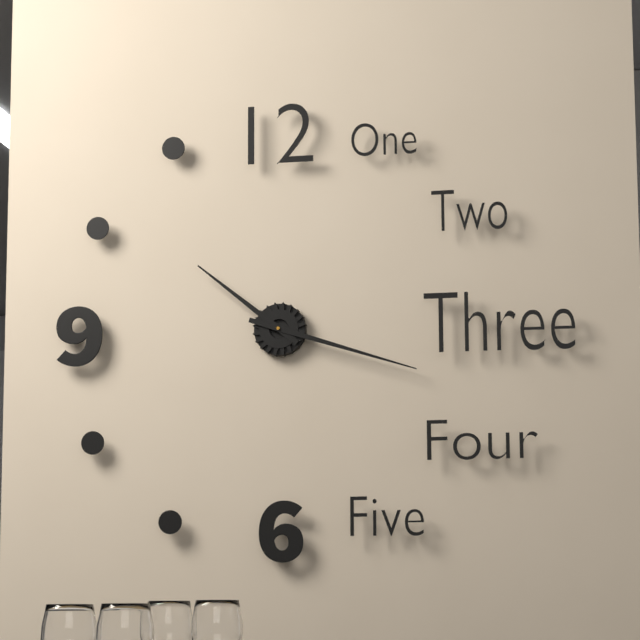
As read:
{"hour": 10, "minute": 18}
